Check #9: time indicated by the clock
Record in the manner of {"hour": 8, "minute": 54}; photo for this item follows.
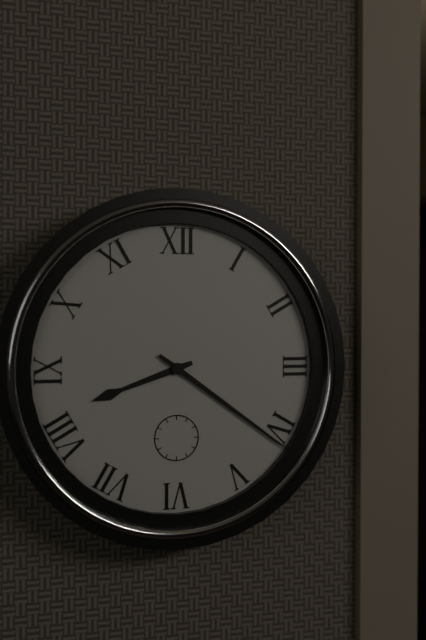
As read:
{"hour": 8, "minute": 21}
